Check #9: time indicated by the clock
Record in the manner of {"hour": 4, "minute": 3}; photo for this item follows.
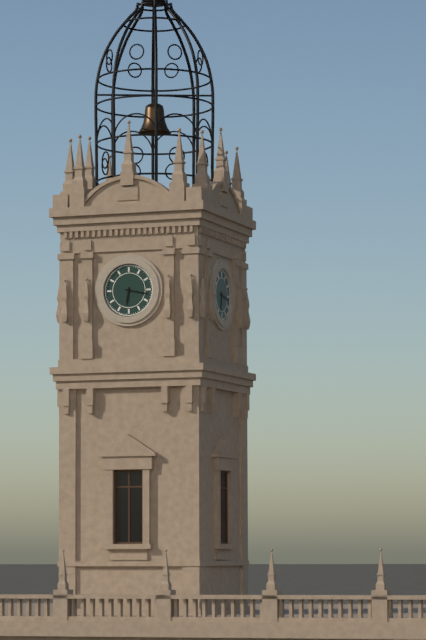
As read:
{"hour": 6, "minute": 17}
